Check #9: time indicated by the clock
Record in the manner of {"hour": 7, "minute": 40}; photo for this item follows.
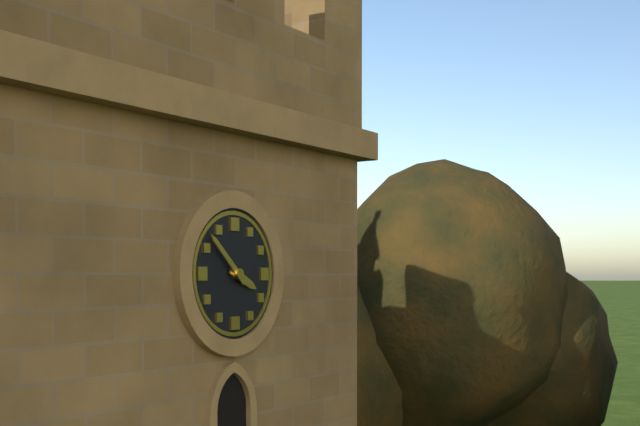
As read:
{"hour": 3, "minute": 52}
